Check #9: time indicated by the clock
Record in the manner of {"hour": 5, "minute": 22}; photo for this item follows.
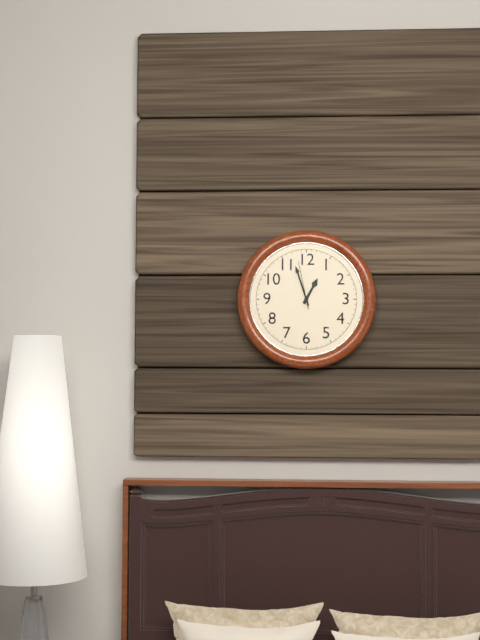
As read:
{"hour": 12, "minute": 57}
